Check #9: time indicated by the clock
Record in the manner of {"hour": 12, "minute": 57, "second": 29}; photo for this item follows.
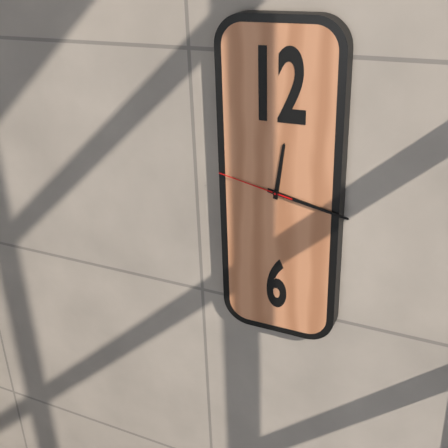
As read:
{"hour": 12, "minute": 17, "second": 47}
